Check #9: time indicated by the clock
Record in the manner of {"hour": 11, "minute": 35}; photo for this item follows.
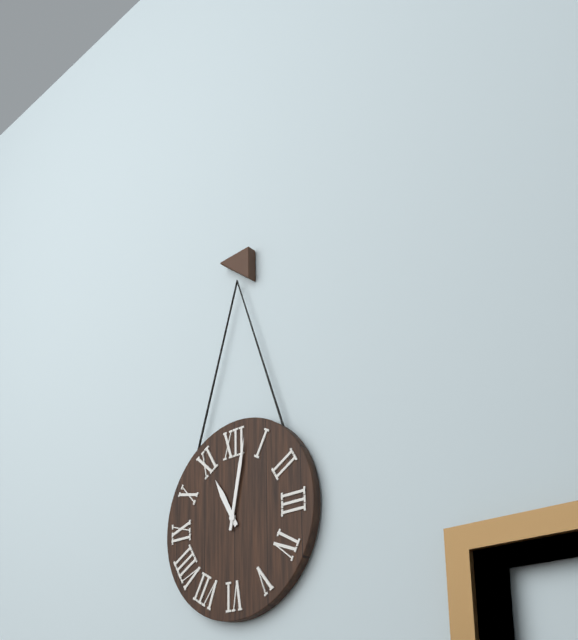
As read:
{"hour": 11, "minute": 2}
